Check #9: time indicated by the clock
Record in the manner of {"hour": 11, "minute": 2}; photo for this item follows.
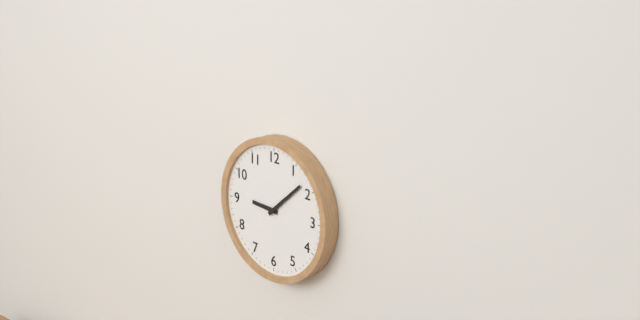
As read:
{"hour": 9, "minute": 8}
